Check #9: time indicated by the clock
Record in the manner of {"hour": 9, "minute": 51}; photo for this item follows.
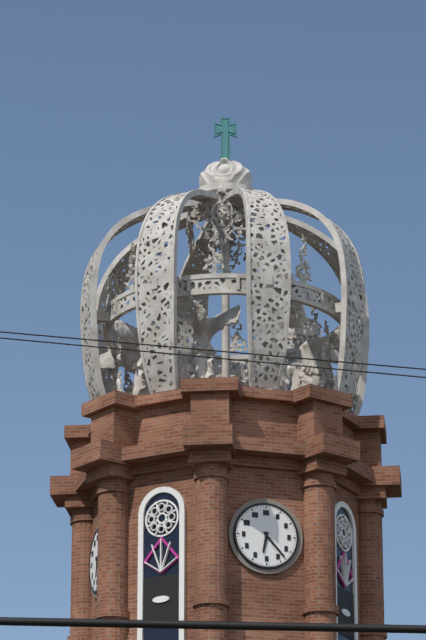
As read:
{"hour": 6, "minute": 23}
